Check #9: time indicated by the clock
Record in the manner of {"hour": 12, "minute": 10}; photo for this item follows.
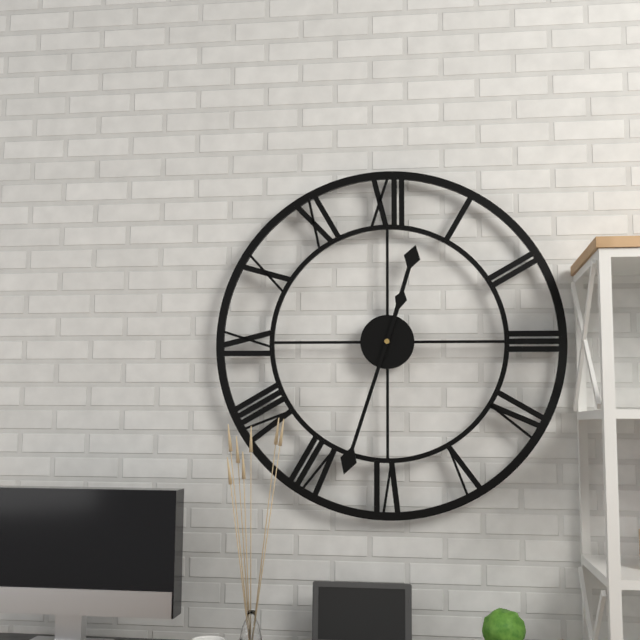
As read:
{"hour": 12, "minute": 33}
